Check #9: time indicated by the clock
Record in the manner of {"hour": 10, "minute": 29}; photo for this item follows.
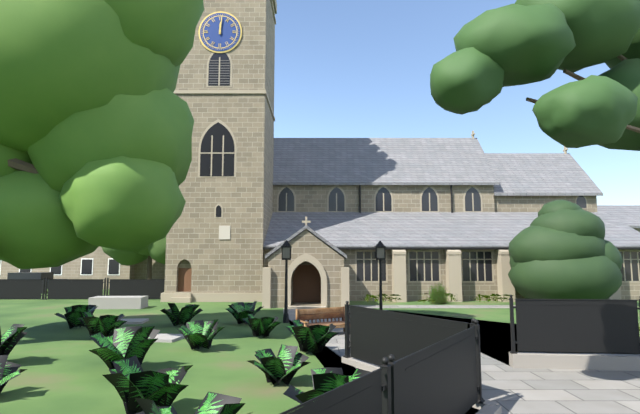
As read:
{"hour": 12, "minute": 1}
